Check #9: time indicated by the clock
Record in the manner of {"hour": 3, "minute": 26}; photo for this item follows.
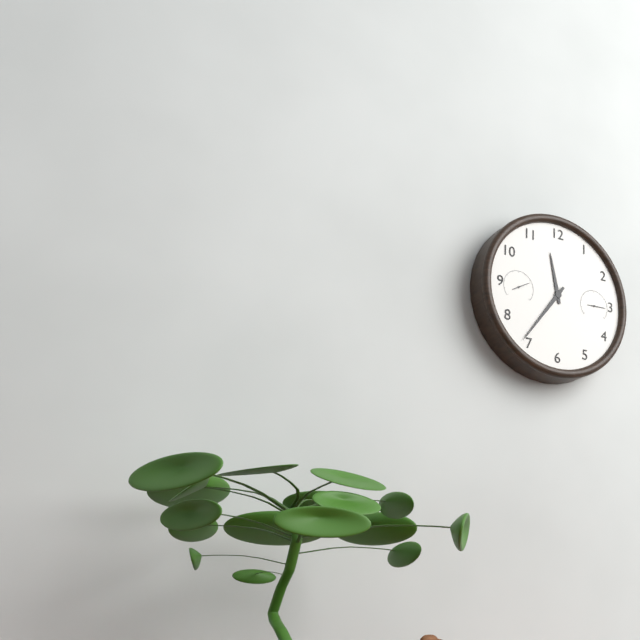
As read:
{"hour": 11, "minute": 36}
